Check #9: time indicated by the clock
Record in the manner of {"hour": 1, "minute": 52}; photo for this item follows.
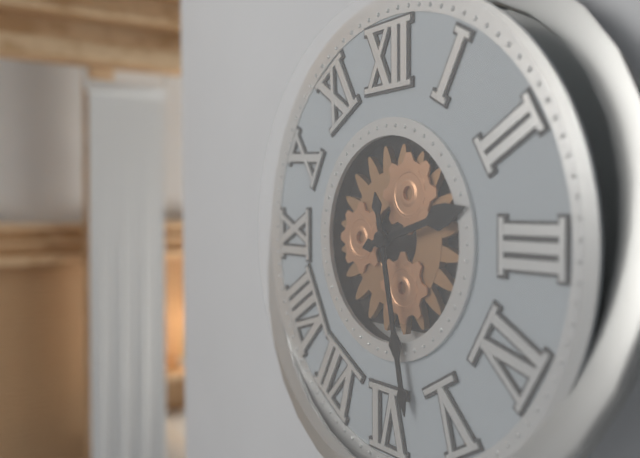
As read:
{"hour": 2, "minute": 28}
